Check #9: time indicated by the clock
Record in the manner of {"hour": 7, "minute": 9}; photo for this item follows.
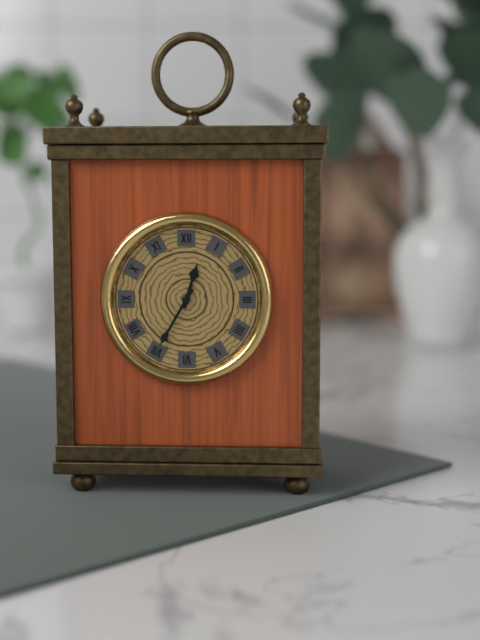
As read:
{"hour": 12, "minute": 35}
